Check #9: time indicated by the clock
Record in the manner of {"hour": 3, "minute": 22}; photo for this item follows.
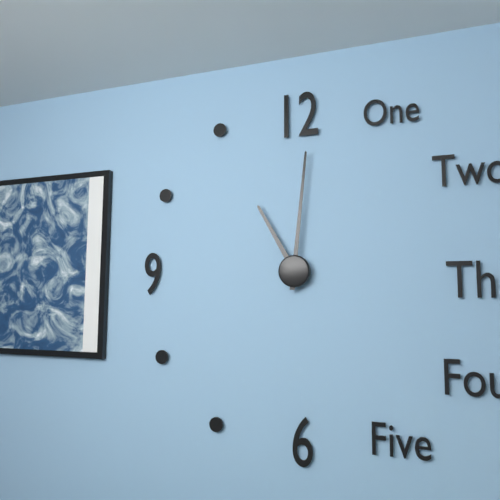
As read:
{"hour": 11, "minute": 1}
